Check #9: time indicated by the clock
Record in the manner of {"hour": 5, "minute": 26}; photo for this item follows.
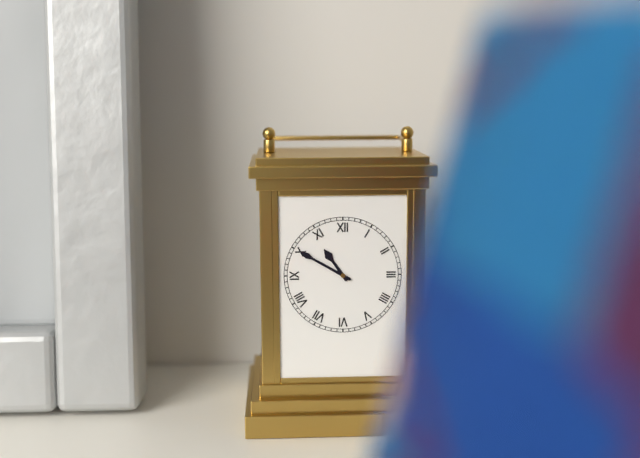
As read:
{"hour": 10, "minute": 50}
